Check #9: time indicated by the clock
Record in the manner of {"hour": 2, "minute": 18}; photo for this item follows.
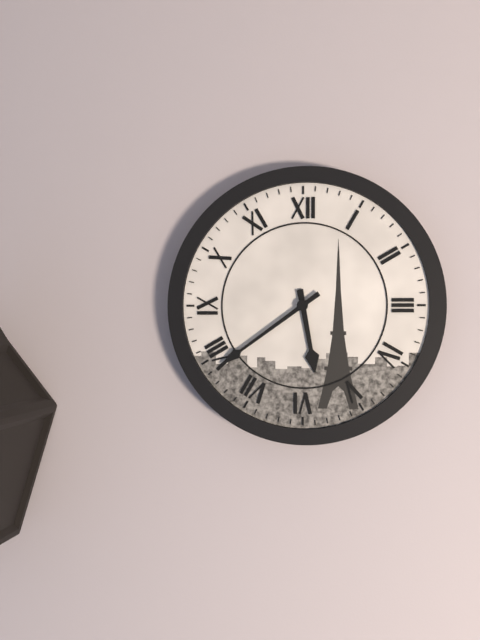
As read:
{"hour": 5, "minute": 39}
